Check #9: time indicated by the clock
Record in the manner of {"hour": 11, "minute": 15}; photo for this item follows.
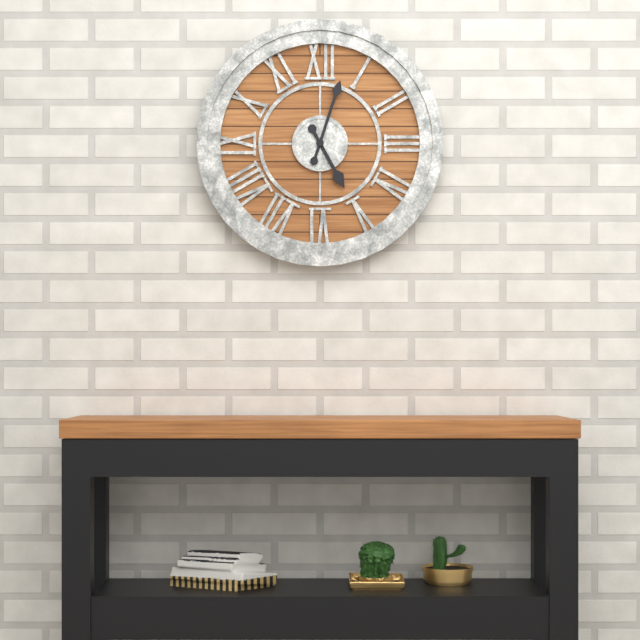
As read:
{"hour": 5, "minute": 3}
